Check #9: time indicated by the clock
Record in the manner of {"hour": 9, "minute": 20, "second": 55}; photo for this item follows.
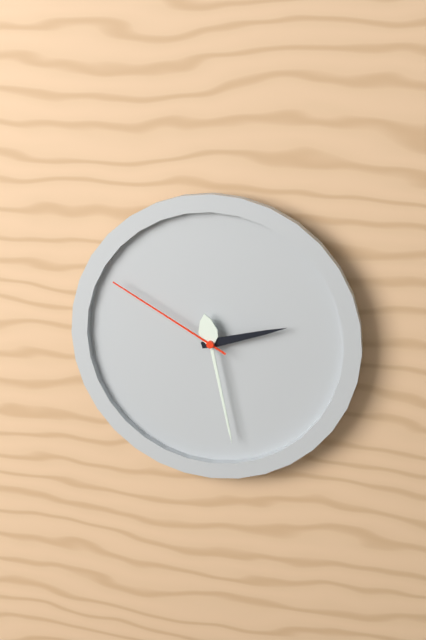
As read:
{"hour": 2, "minute": 28, "second": 50}
